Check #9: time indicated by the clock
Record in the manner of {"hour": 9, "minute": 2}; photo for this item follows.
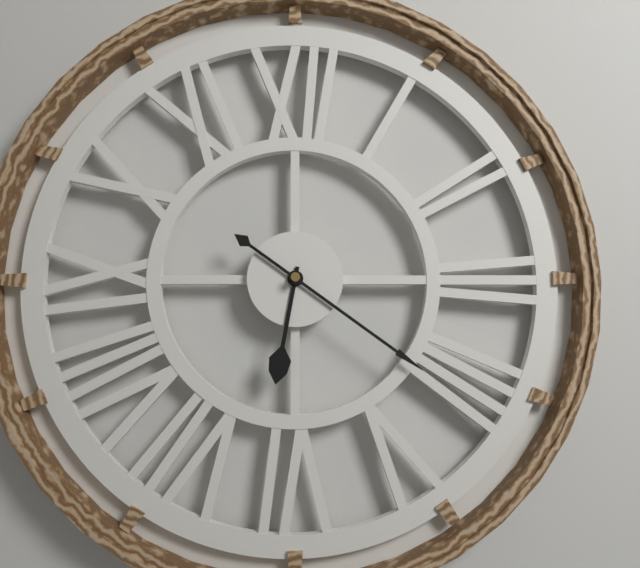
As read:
{"hour": 6, "minute": 21}
